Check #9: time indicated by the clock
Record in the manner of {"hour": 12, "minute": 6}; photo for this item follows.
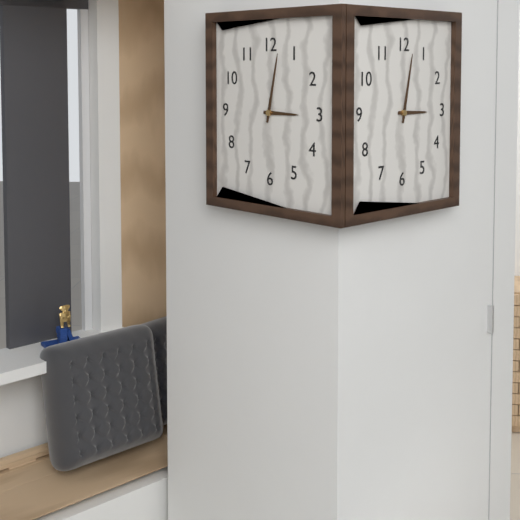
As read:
{"hour": 3, "minute": 2}
